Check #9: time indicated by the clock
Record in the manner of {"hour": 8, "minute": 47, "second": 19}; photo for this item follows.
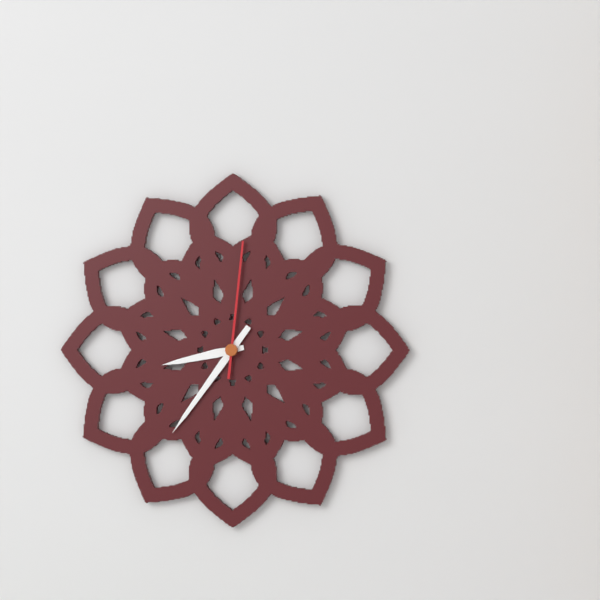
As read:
{"hour": 8, "minute": 36, "second": 1}
